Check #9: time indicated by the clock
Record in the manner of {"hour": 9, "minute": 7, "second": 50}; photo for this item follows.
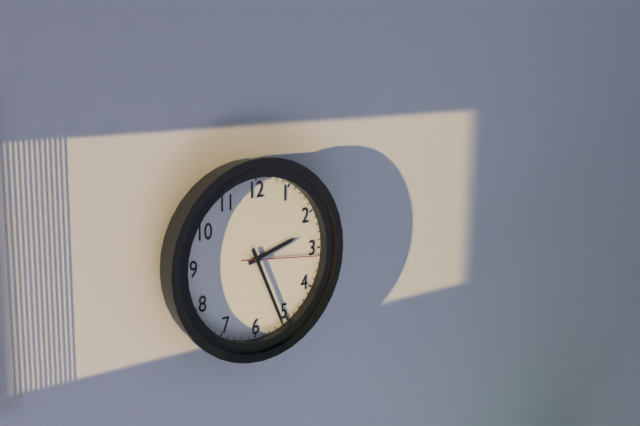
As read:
{"hour": 2, "minute": 26, "second": 16}
